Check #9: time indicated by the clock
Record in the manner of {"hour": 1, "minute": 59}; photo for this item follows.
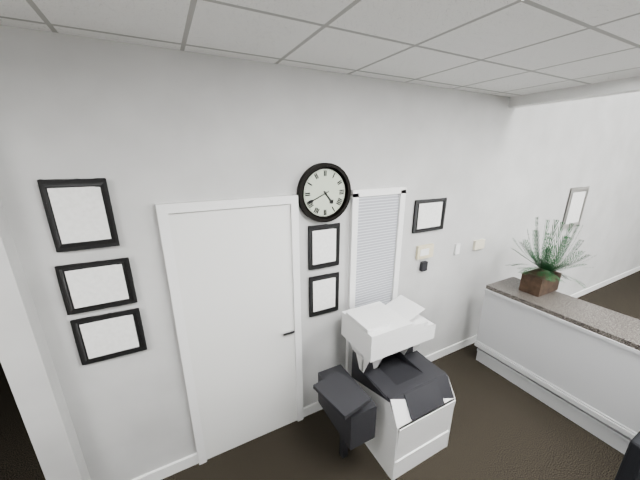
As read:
{"hour": 4, "minute": 41}
